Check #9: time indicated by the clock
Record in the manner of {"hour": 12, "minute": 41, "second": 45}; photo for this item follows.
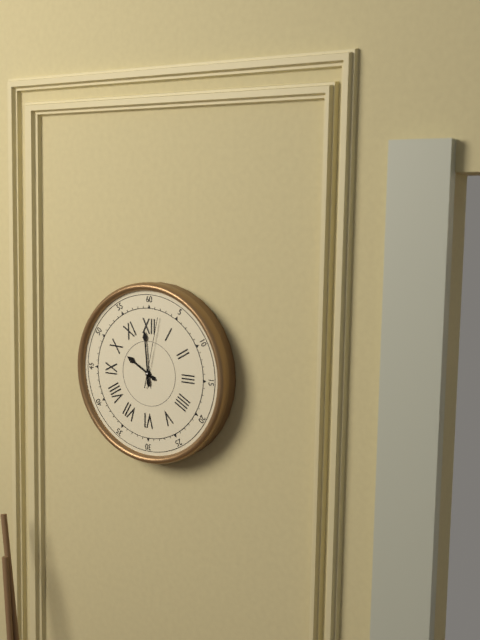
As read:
{"hour": 9, "minute": 59, "second": 2}
